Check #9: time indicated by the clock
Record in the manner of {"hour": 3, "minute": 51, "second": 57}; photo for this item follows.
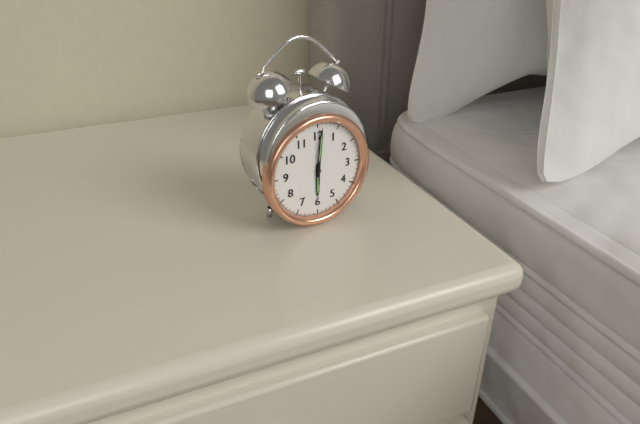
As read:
{"hour": 6, "minute": 1, "second": 0}
